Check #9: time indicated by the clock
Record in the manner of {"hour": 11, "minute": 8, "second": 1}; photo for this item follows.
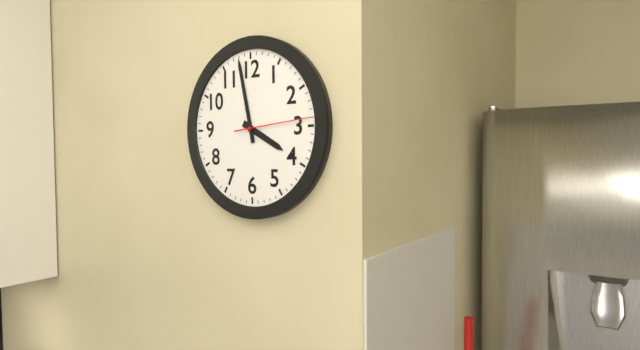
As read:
{"hour": 3, "minute": 58, "second": 14}
